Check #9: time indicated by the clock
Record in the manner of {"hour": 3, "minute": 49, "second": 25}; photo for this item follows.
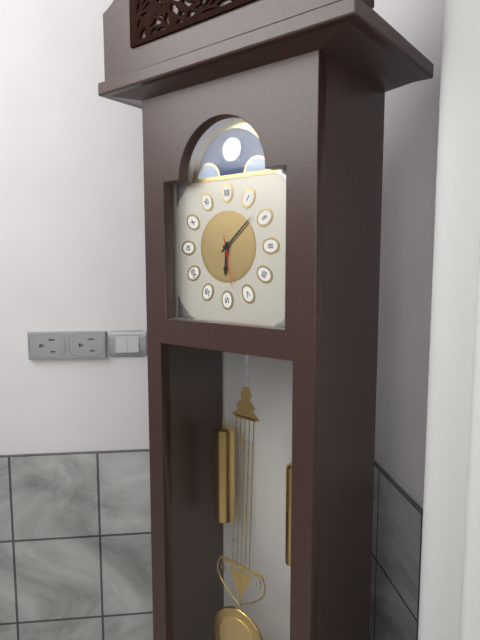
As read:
{"hour": 6, "minute": 8, "second": 28}
